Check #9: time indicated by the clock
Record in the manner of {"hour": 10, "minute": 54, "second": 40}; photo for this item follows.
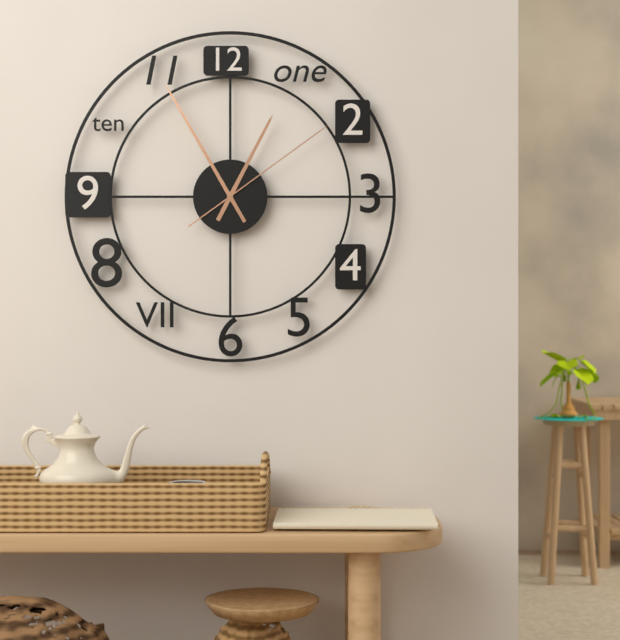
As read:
{"hour": 12, "minute": 55, "second": 9}
